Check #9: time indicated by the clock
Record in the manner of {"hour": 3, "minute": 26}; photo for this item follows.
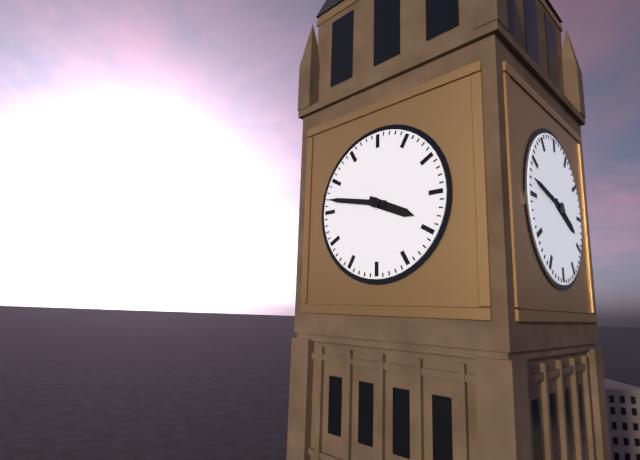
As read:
{"hour": 3, "minute": 47}
